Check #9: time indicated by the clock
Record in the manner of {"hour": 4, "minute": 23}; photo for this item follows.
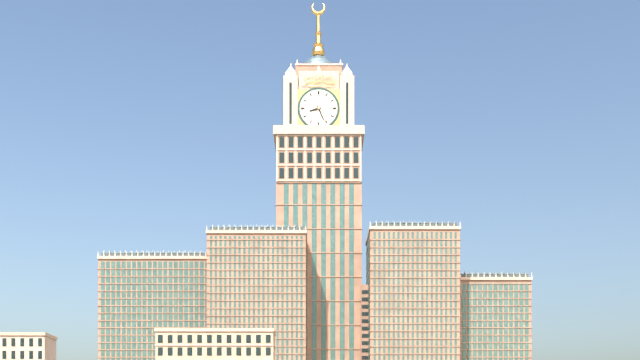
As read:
{"hour": 8, "minute": 26}
